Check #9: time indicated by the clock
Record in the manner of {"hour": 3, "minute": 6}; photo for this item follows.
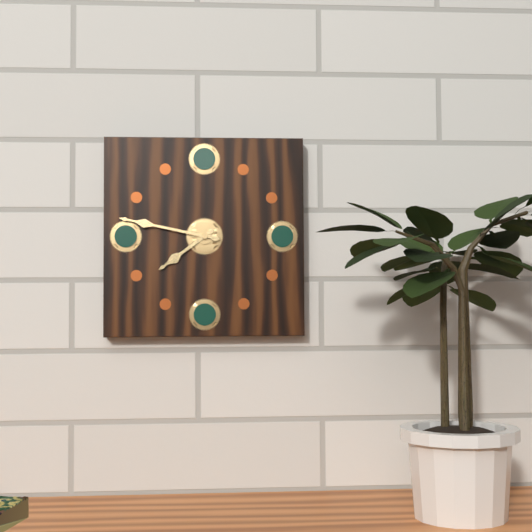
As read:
{"hour": 7, "minute": 47}
